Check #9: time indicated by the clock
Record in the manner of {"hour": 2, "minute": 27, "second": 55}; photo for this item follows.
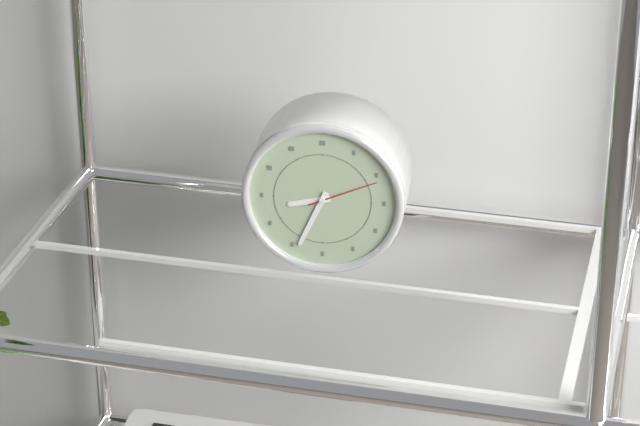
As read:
{"hour": 8, "minute": 34, "second": 11}
